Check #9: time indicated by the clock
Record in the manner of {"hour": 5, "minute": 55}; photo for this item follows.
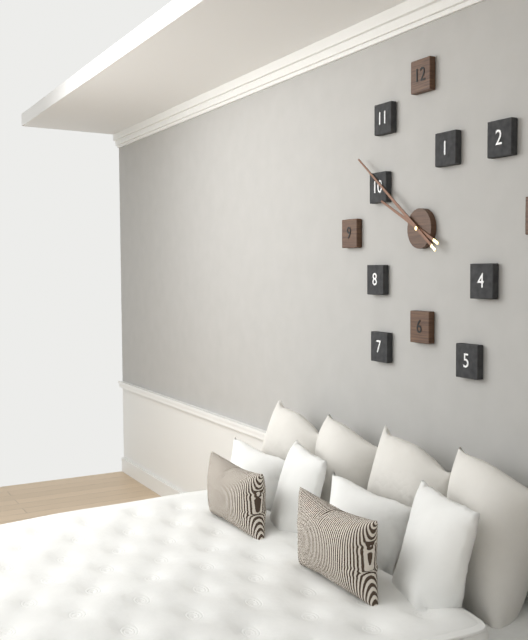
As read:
{"hour": 9, "minute": 51}
